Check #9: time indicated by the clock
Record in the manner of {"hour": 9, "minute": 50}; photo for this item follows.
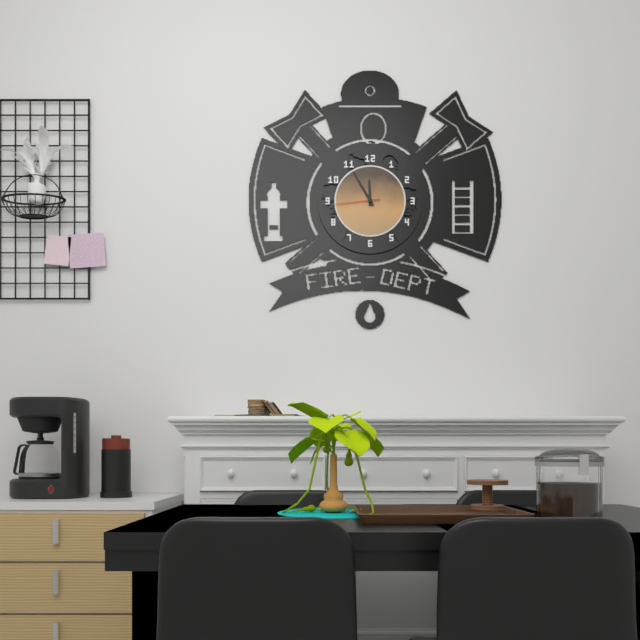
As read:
{"hour": 11, "minute": 55}
